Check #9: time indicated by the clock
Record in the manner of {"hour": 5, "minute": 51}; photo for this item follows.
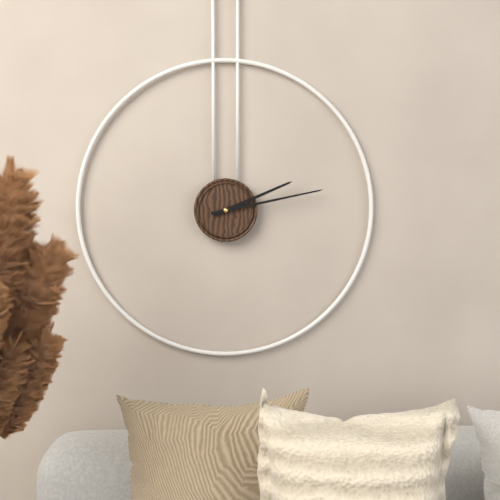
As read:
{"hour": 2, "minute": 13}
